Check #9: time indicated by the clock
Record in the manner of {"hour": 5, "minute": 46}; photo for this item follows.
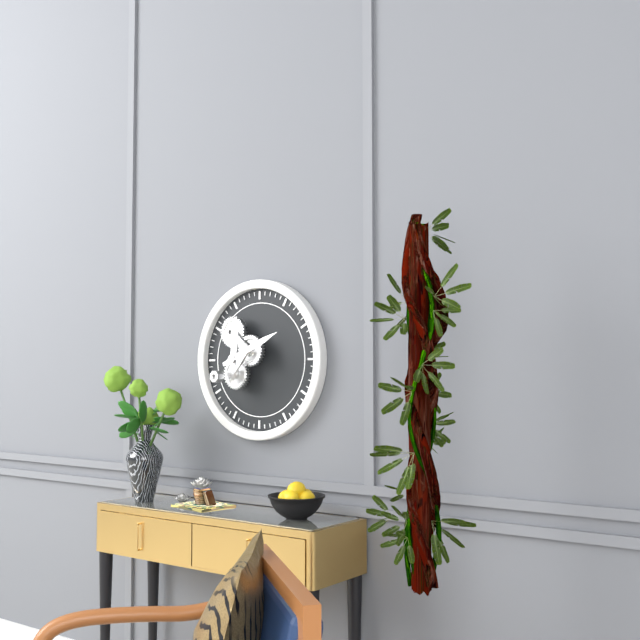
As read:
{"hour": 12, "minute": 11}
